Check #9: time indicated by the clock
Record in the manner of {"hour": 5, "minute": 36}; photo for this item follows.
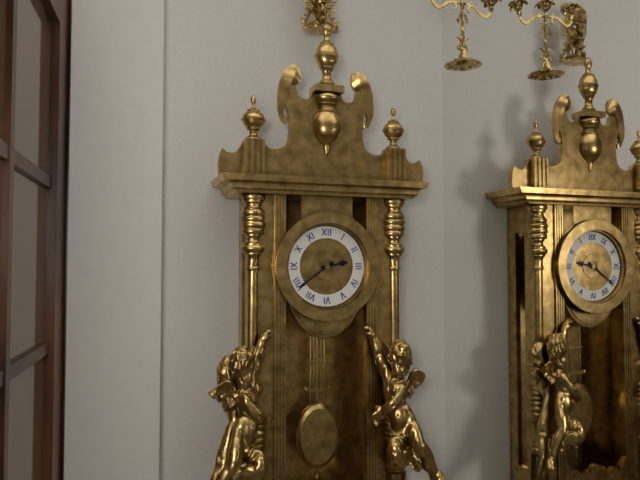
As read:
{"hour": 2, "minute": 39}
